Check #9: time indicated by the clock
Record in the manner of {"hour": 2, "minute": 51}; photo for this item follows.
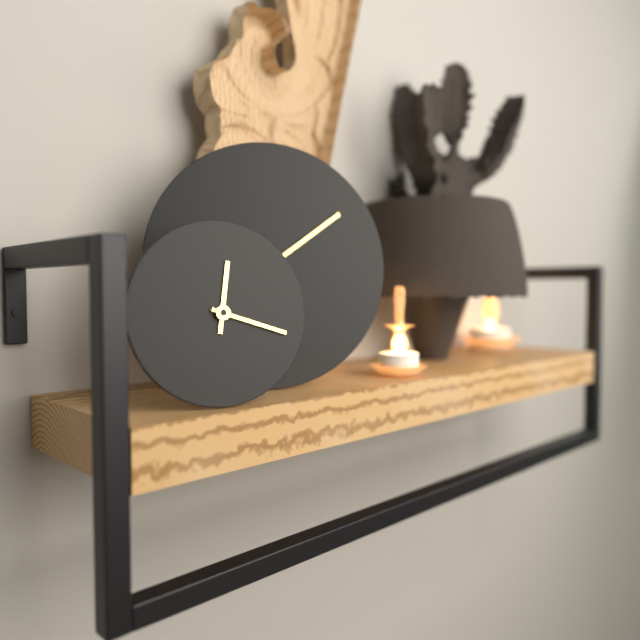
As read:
{"hour": 12, "minute": 18}
